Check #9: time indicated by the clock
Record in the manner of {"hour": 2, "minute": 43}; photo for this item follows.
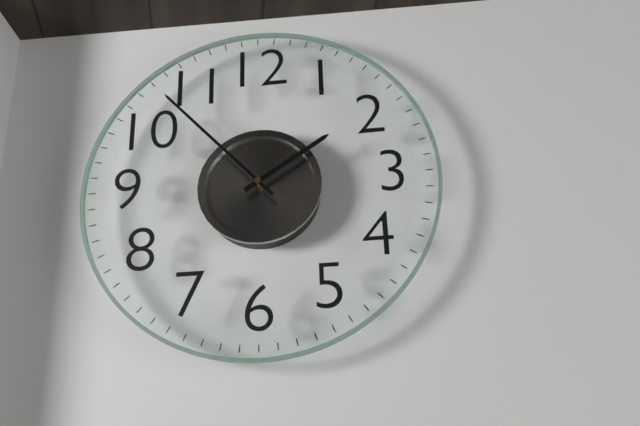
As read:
{"hour": 1, "minute": 53}
